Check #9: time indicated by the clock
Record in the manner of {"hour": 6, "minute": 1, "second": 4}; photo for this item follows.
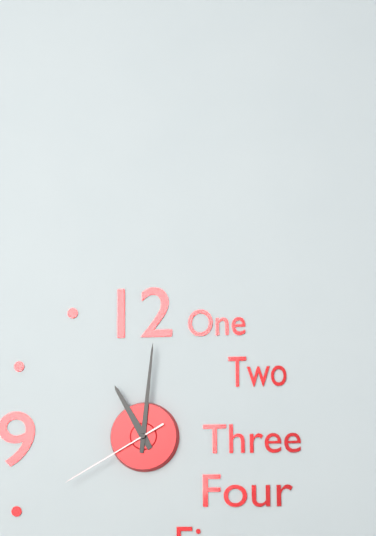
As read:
{"hour": 11, "minute": 1, "second": 40}
